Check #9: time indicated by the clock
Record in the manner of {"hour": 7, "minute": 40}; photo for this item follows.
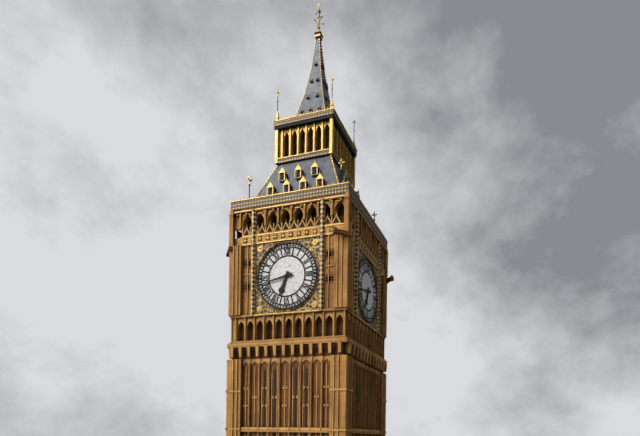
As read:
{"hour": 6, "minute": 43}
